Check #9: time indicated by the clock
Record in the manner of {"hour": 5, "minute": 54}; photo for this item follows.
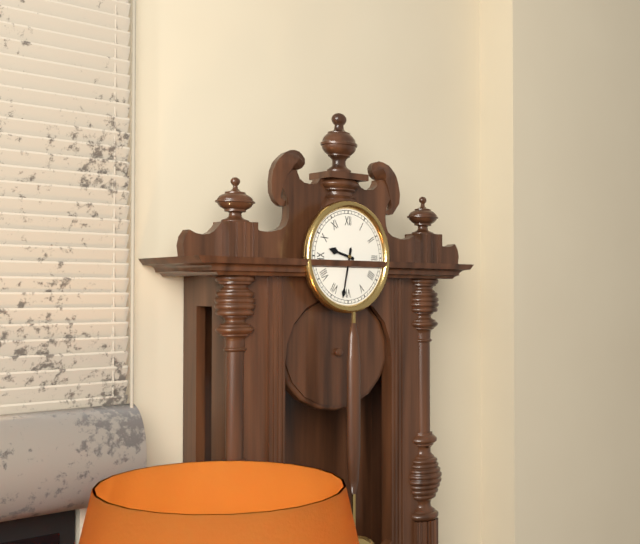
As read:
{"hour": 9, "minute": 32}
